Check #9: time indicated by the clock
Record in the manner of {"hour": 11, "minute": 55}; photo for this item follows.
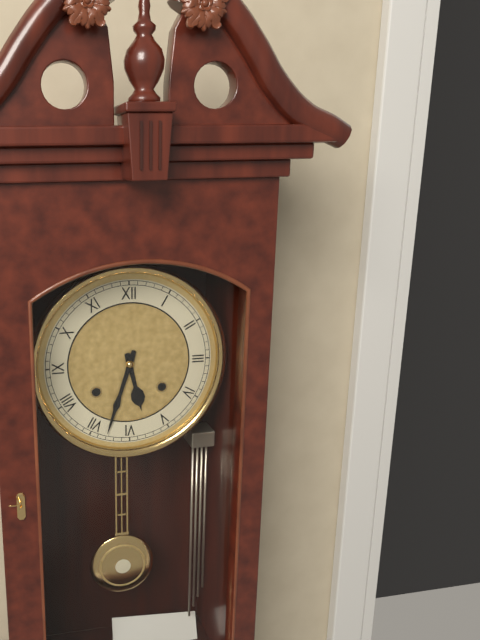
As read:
{"hour": 5, "minute": 33}
